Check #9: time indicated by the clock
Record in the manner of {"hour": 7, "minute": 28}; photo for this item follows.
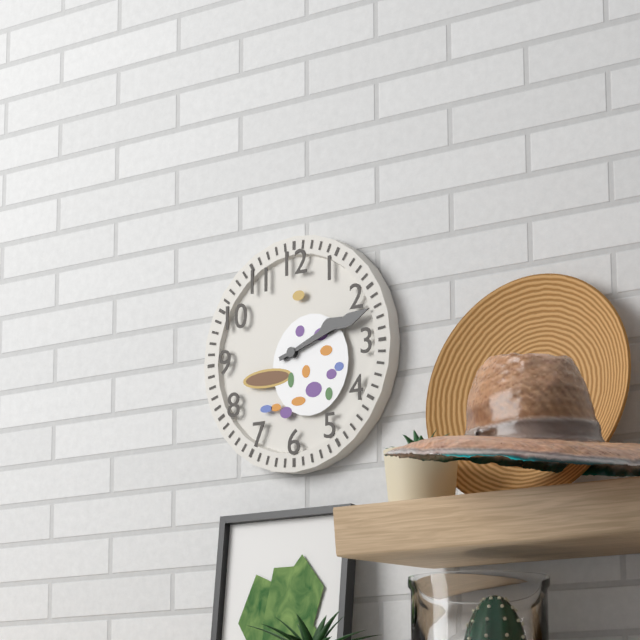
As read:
{"hour": 2, "minute": 12}
